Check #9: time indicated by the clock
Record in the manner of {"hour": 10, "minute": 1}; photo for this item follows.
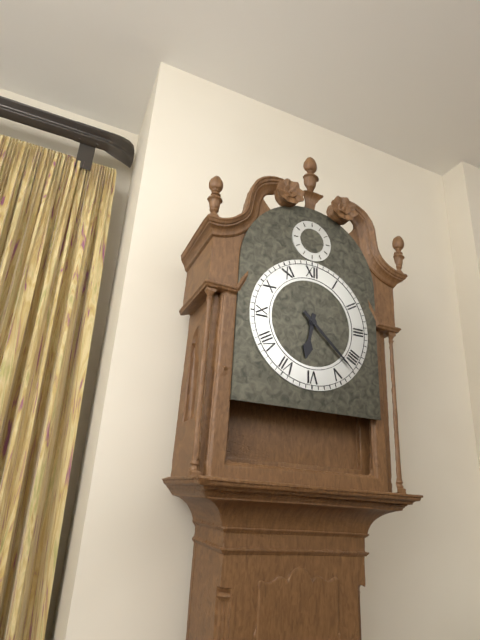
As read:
{"hour": 6, "minute": 22}
